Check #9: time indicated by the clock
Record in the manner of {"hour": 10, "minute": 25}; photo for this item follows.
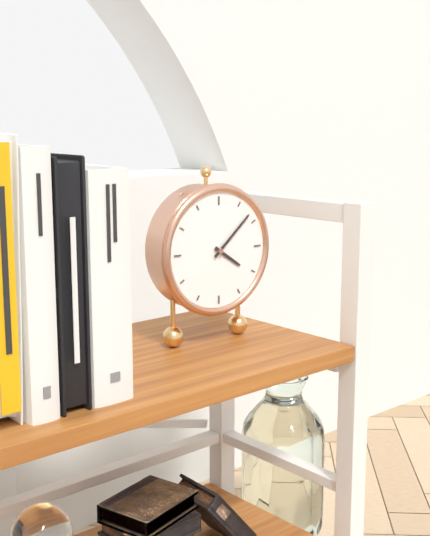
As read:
{"hour": 4, "minute": 8}
